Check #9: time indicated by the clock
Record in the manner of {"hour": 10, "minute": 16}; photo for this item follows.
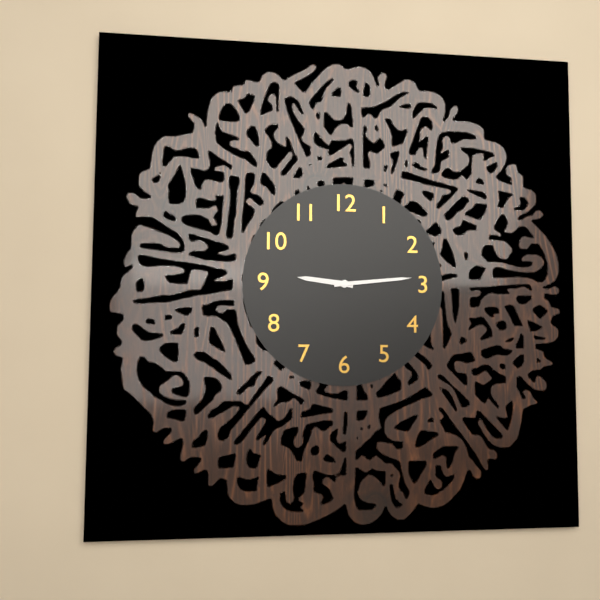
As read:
{"hour": 9, "minute": 14}
